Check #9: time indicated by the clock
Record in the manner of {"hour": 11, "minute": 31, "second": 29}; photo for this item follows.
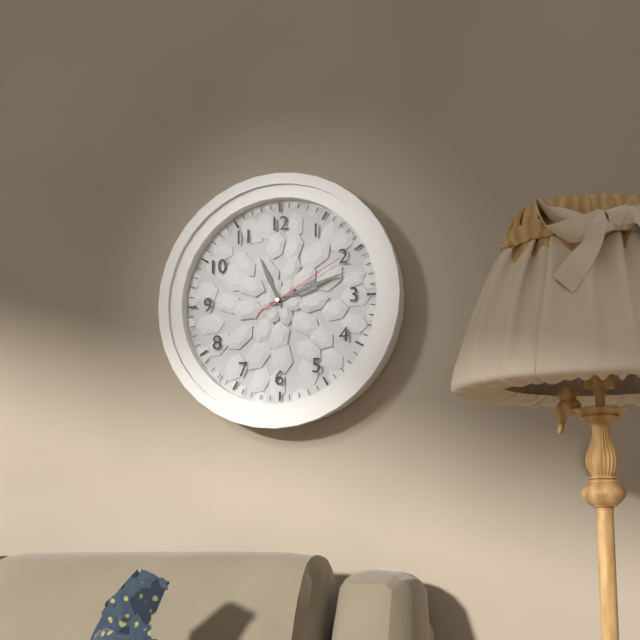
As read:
{"hour": 11, "minute": 12, "second": 10}
